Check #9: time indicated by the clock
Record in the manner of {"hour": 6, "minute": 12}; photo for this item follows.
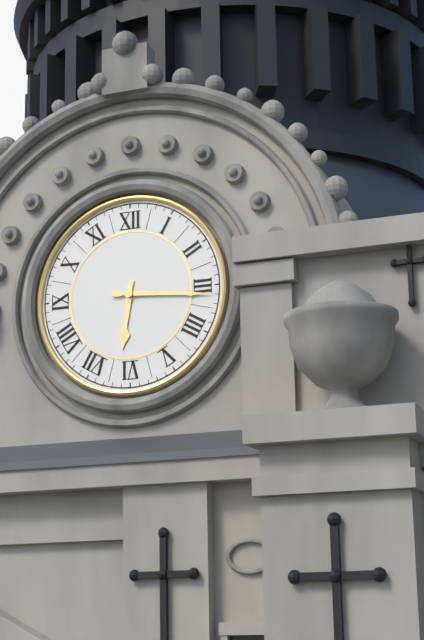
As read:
{"hour": 6, "minute": 16}
